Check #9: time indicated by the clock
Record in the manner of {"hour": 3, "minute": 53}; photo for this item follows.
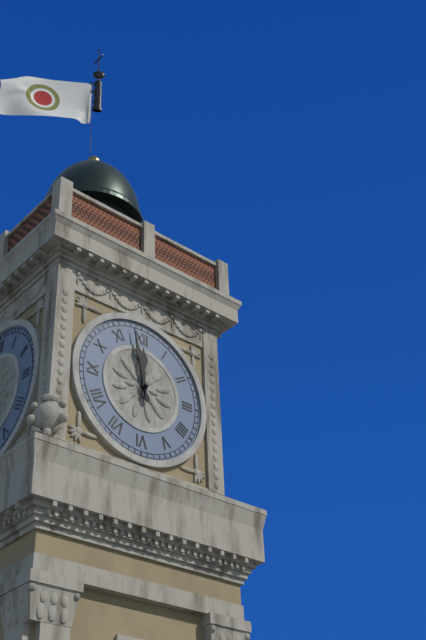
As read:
{"hour": 11, "minute": 58}
